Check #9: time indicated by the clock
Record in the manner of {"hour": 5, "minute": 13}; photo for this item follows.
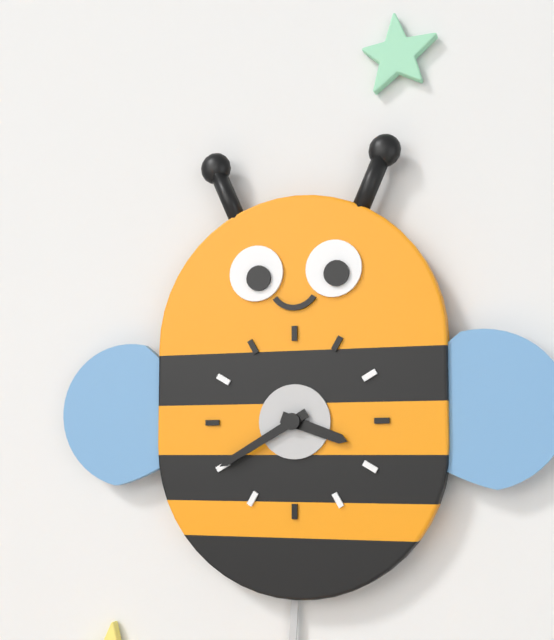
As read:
{"hour": 3, "minute": 40}
